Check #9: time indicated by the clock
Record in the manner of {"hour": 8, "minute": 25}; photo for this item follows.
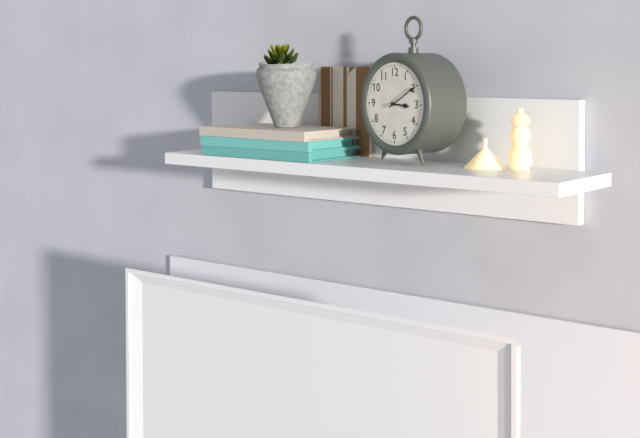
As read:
{"hour": 3, "minute": 10}
